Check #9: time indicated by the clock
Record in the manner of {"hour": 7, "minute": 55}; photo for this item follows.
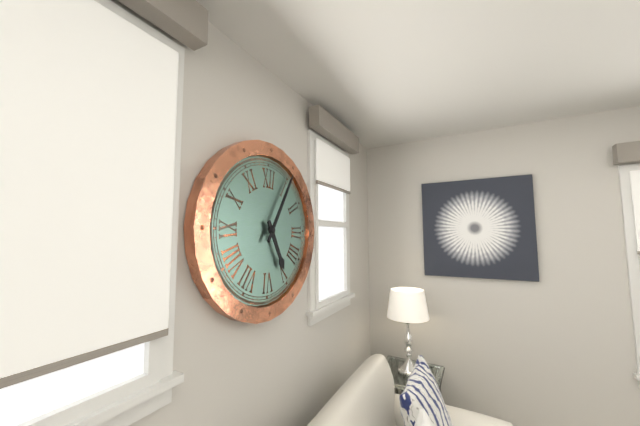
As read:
{"hour": 5, "minute": 5}
